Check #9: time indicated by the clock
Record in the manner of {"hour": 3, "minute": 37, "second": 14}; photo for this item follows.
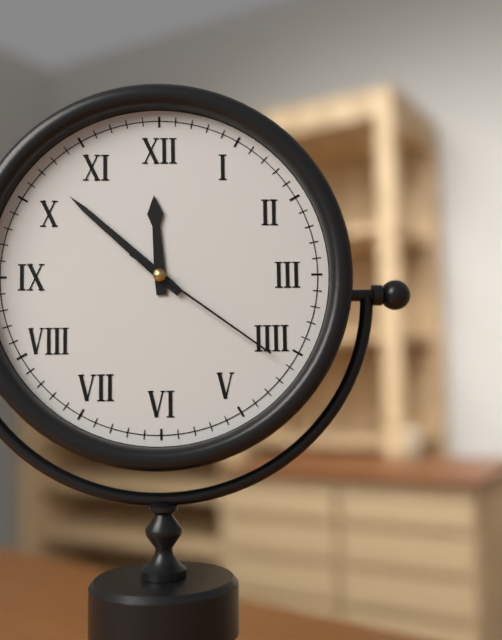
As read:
{"hour": 11, "minute": 52, "second": 21}
